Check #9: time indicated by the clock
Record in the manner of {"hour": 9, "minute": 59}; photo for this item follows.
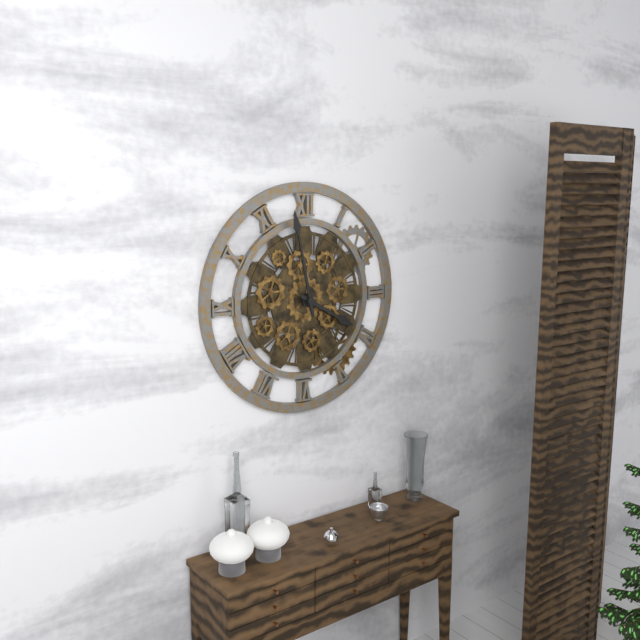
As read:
{"hour": 3, "minute": 58}
